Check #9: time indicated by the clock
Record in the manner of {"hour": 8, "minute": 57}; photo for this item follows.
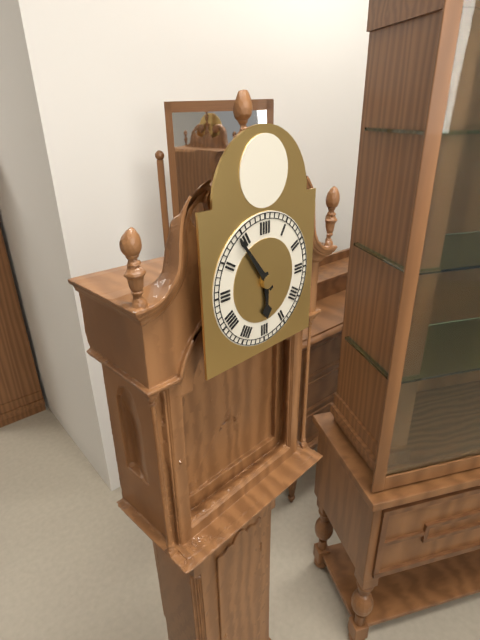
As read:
{"hour": 5, "minute": 54}
